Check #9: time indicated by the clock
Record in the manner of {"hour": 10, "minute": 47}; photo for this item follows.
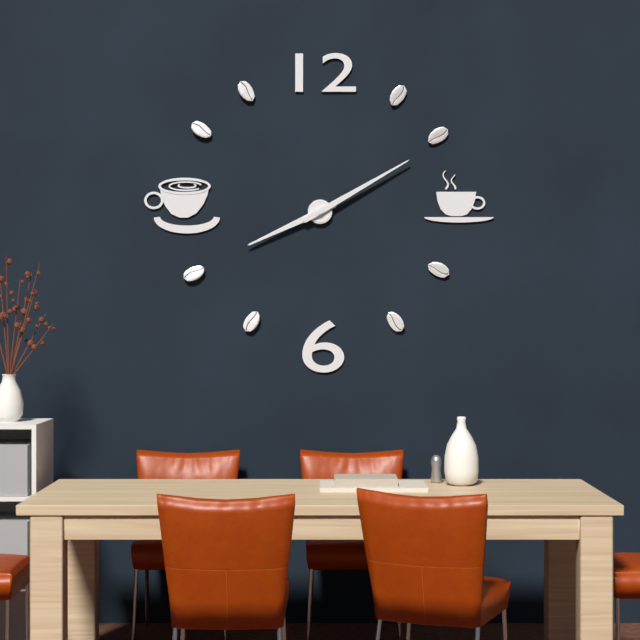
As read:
{"hour": 8, "minute": 10}
